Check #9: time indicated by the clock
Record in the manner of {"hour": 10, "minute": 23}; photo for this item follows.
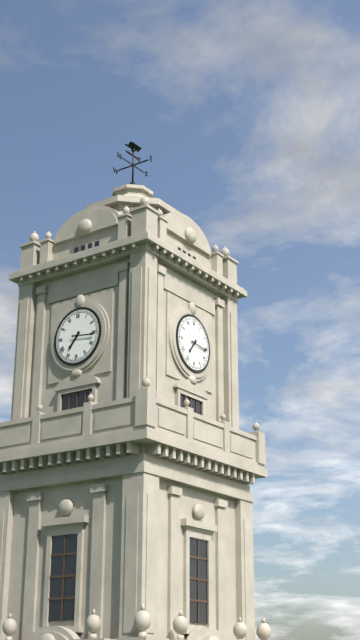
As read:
{"hour": 7, "minute": 16}
